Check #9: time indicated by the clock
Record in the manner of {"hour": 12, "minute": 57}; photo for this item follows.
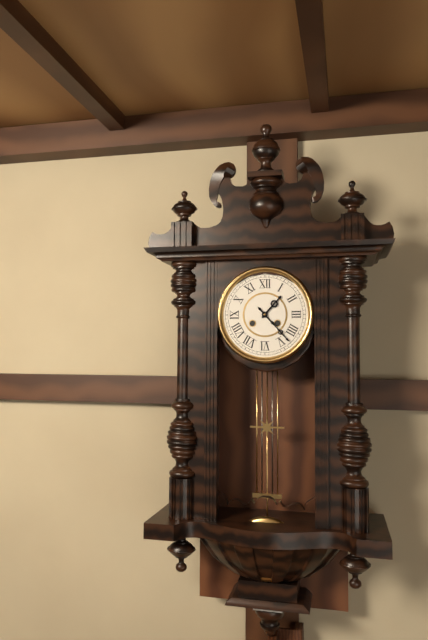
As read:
{"hour": 1, "minute": 23}
